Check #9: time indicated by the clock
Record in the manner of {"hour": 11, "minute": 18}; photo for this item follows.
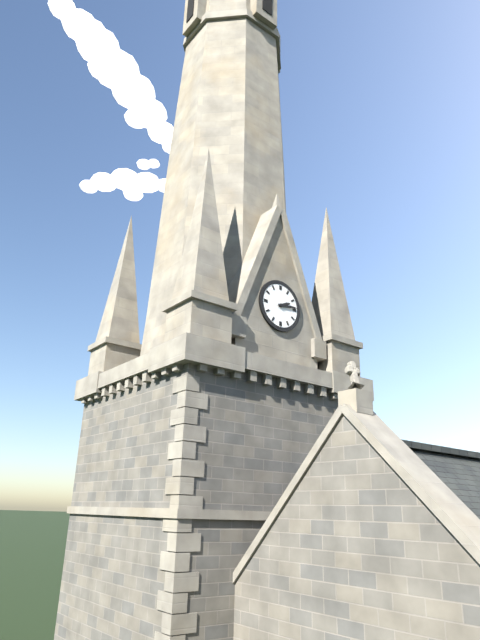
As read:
{"hour": 2, "minute": 14}
